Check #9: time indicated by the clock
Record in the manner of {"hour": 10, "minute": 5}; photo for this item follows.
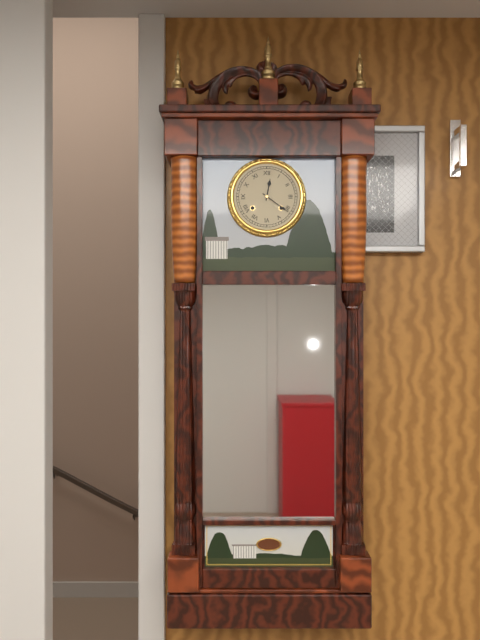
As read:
{"hour": 12, "minute": 21}
